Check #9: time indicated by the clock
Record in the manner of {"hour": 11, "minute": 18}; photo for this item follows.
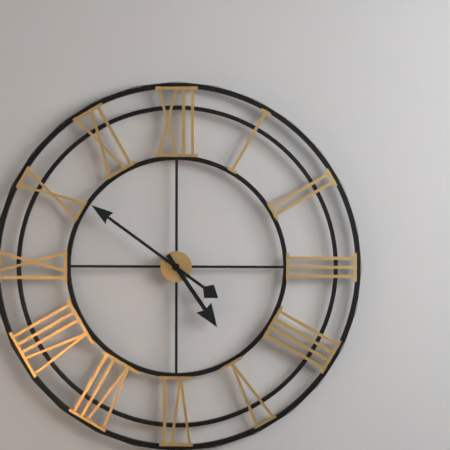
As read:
{"hour": 4, "minute": 51}
